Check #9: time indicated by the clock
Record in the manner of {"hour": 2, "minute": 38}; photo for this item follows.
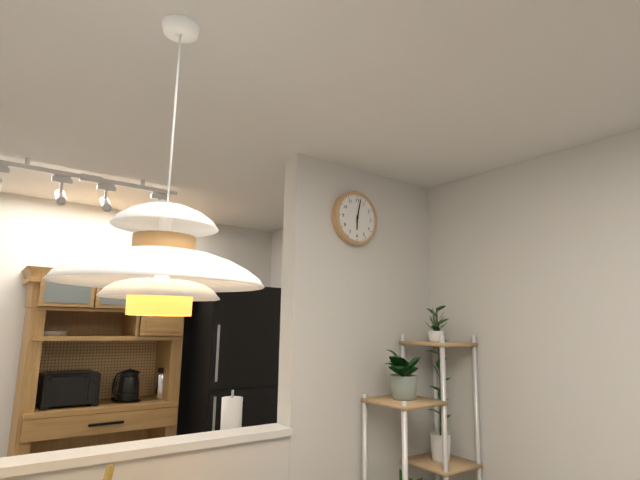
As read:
{"hour": 6, "minute": 2}
